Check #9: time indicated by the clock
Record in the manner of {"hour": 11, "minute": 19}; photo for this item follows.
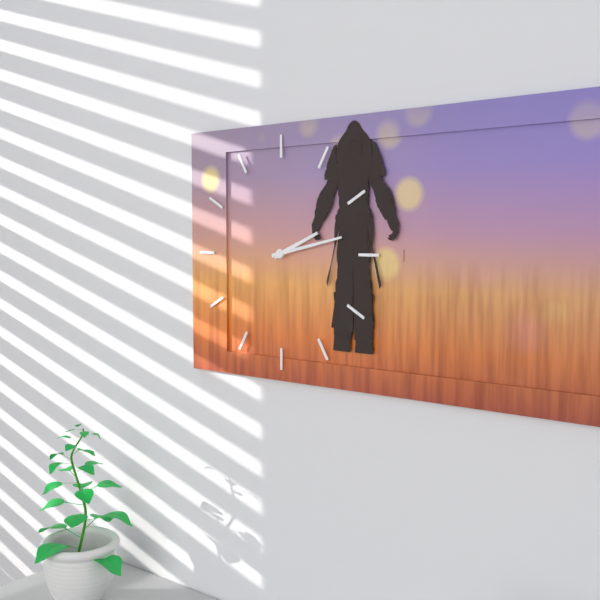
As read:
{"hour": 2, "minute": 13}
